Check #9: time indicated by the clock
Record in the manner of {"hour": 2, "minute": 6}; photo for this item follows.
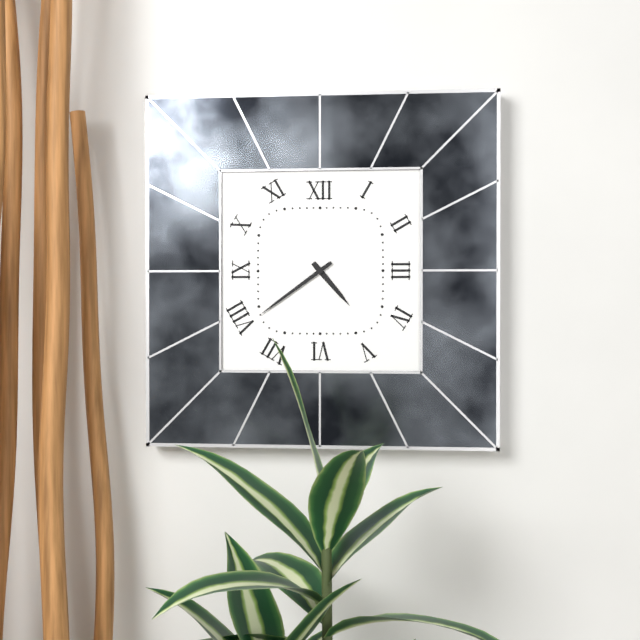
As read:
{"hour": 4, "minute": 39}
